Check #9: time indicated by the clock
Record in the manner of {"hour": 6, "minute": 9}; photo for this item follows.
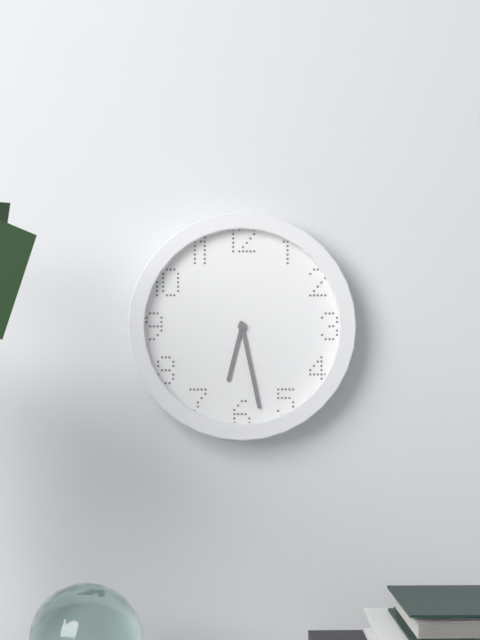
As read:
{"hour": 6, "minute": 28}
